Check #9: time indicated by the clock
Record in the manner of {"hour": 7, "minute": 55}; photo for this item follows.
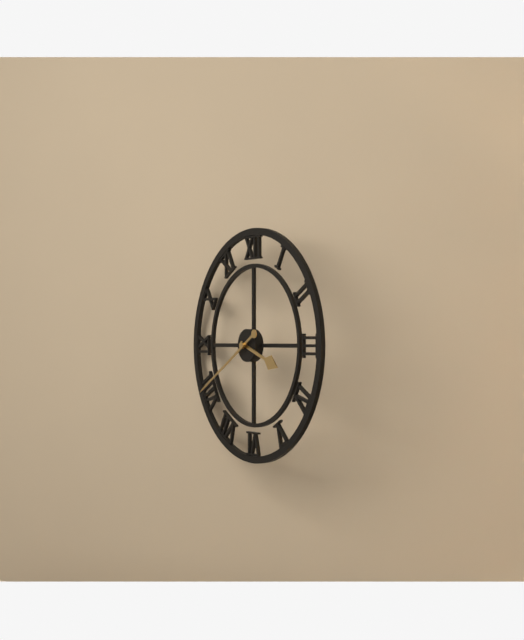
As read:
{"hour": 3, "minute": 40}
